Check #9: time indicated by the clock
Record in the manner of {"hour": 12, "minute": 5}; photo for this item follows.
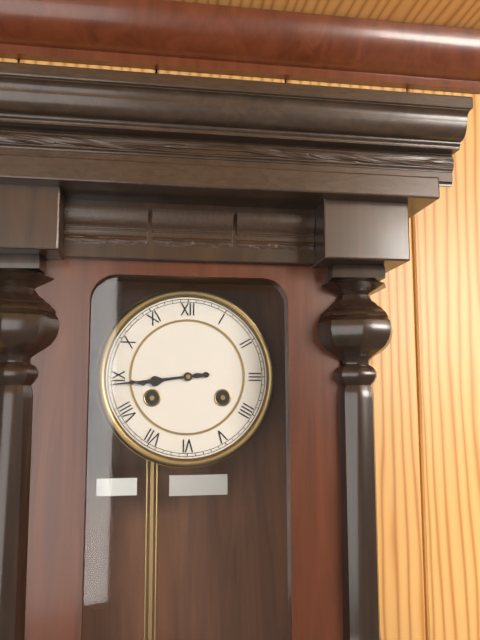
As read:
{"hour": 8, "minute": 44}
